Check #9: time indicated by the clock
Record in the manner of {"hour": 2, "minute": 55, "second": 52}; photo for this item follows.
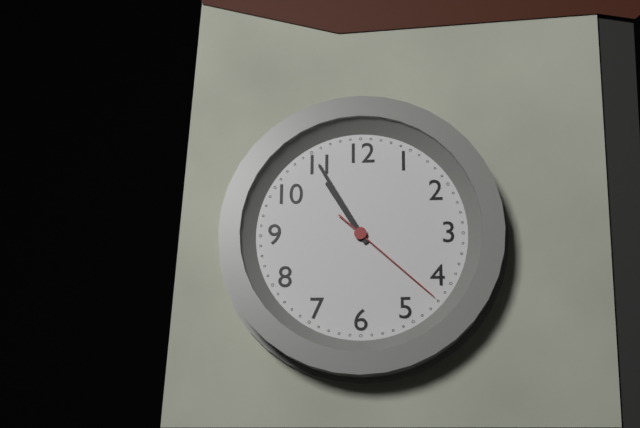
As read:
{"hour": 10, "minute": 55, "second": 22}
